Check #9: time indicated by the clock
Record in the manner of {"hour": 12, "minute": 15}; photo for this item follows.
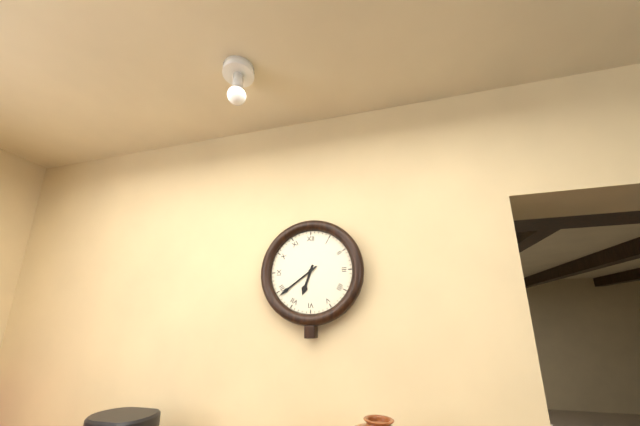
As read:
{"hour": 6, "minute": 39}
